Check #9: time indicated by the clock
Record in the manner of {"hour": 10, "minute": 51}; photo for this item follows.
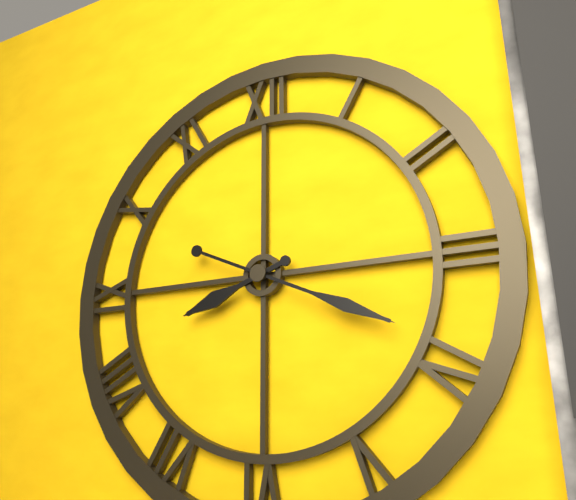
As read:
{"hour": 8, "minute": 19}
